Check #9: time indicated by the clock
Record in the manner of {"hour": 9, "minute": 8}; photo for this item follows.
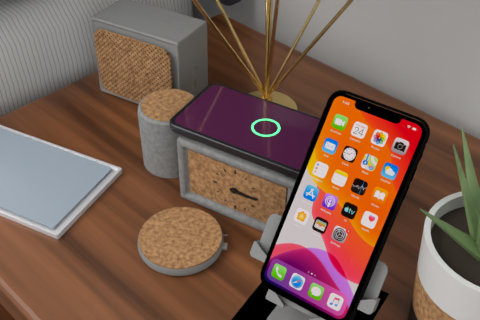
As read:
{"hour": 3, "minute": 15}
